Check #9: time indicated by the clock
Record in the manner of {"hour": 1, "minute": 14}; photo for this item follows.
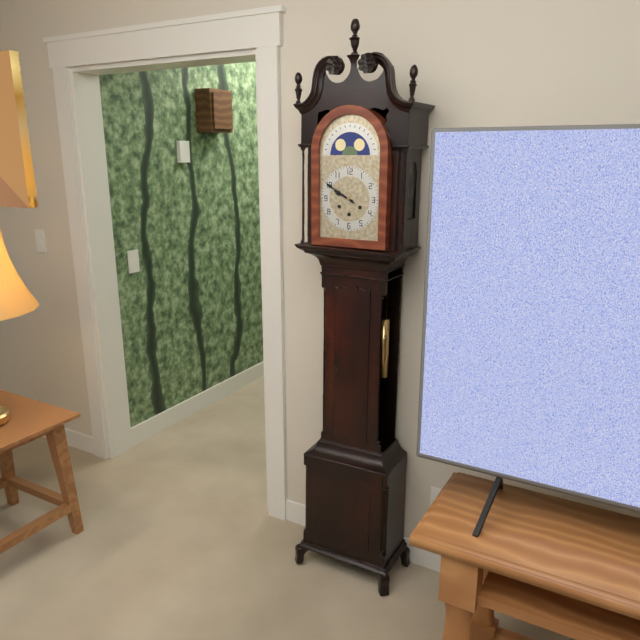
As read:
{"hour": 9, "minute": 50}
